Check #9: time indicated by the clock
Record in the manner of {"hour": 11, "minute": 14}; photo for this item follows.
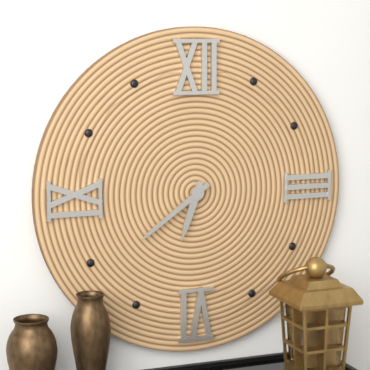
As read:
{"hour": 6, "minute": 39}
